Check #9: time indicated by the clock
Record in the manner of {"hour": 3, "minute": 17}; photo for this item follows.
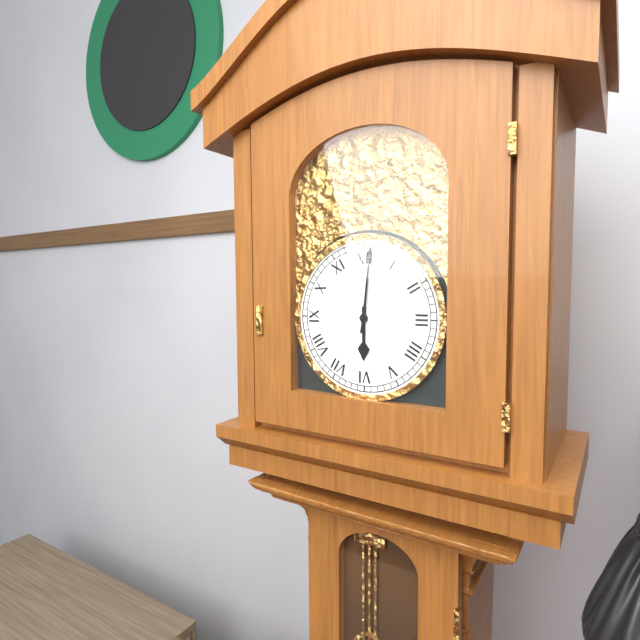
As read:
{"hour": 6, "minute": 1}
